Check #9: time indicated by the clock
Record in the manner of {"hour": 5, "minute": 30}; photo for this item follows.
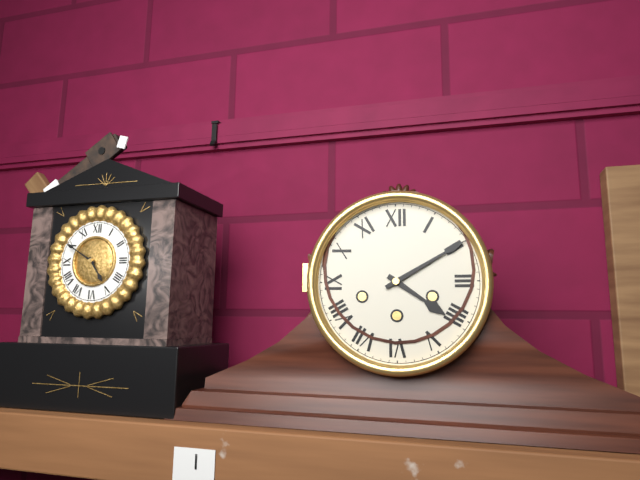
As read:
{"hour": 4, "minute": 10}
